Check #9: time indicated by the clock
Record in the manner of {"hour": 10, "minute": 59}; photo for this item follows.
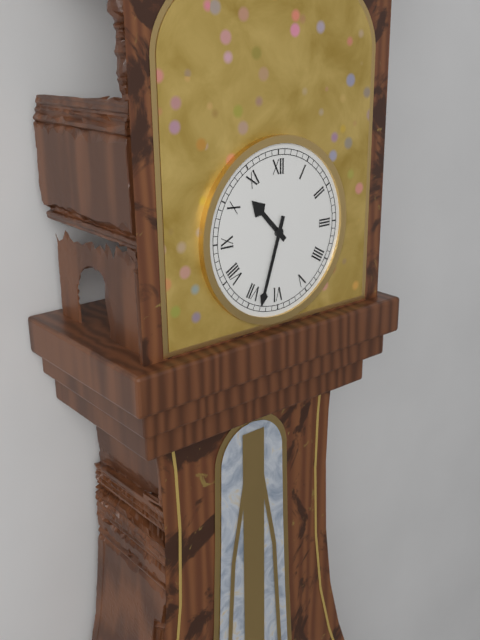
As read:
{"hour": 10, "minute": 33}
